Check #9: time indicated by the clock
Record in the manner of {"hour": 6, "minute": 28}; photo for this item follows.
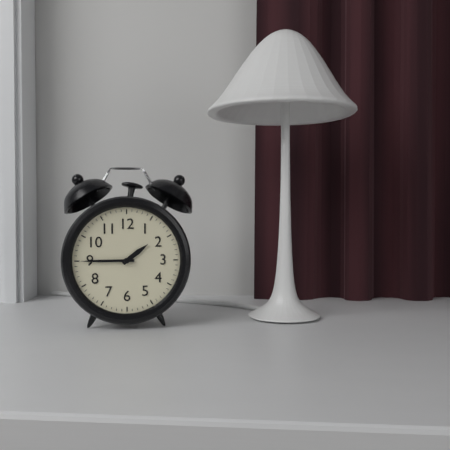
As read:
{"hour": 1, "minute": 45}
